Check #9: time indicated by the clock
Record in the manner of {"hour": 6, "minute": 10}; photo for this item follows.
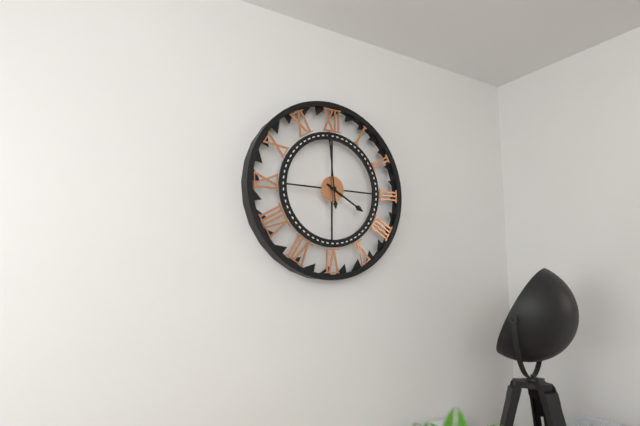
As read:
{"hour": 3, "minute": 59}
